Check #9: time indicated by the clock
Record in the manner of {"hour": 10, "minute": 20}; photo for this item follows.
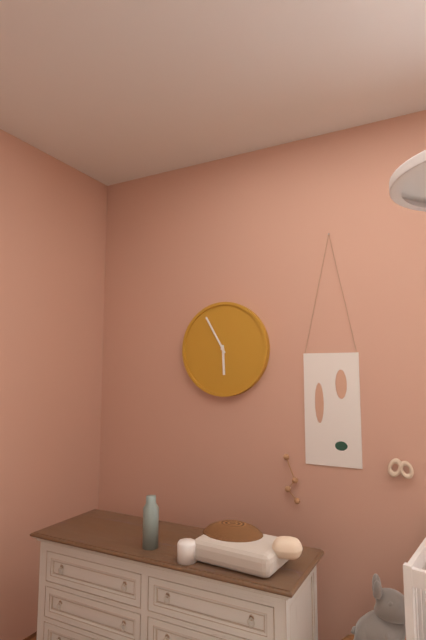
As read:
{"hour": 5, "minute": 55}
